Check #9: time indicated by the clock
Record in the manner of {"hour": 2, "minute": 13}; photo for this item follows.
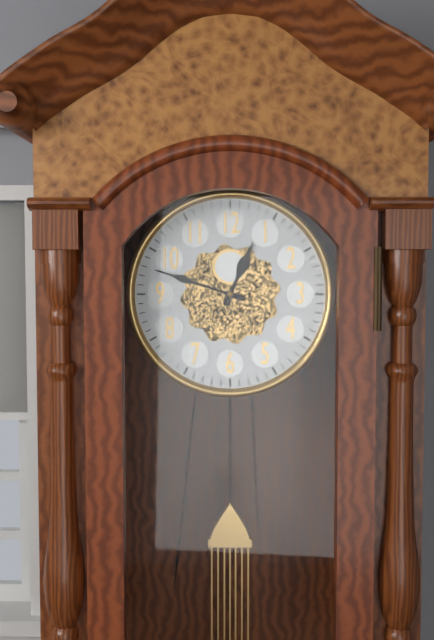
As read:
{"hour": 12, "minute": 48}
